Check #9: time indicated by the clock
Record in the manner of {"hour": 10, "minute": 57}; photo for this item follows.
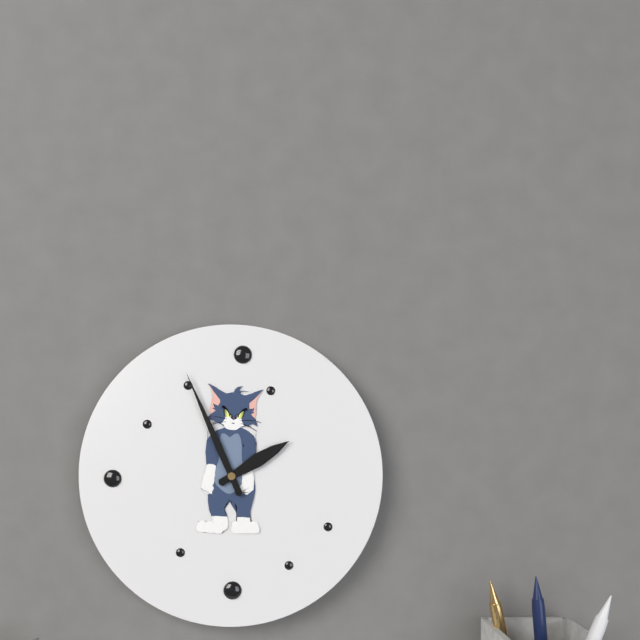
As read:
{"hour": 1, "minute": 56}
